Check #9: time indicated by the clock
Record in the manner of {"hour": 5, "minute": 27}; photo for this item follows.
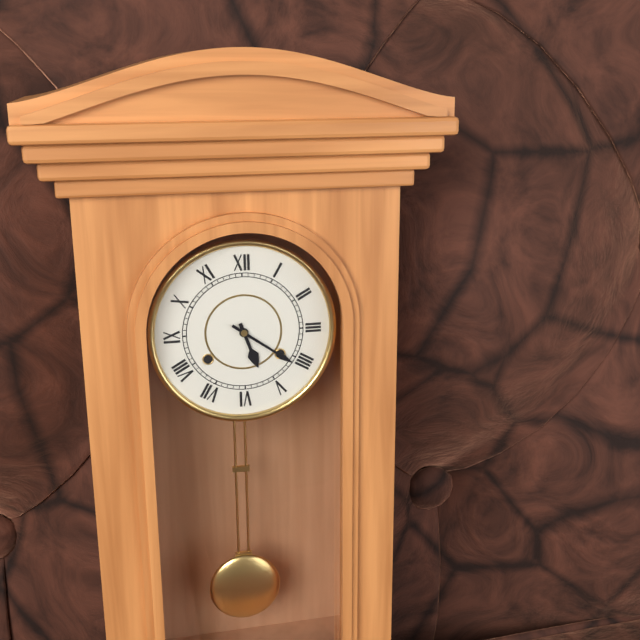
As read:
{"hour": 5, "minute": 21}
